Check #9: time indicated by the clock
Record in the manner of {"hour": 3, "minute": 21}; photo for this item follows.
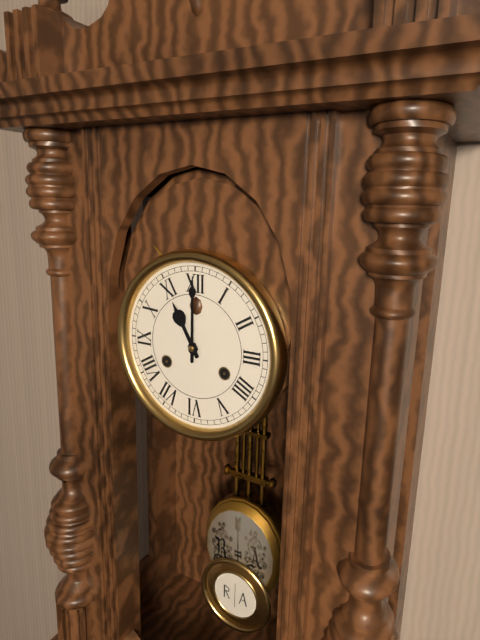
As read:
{"hour": 11, "minute": 0}
